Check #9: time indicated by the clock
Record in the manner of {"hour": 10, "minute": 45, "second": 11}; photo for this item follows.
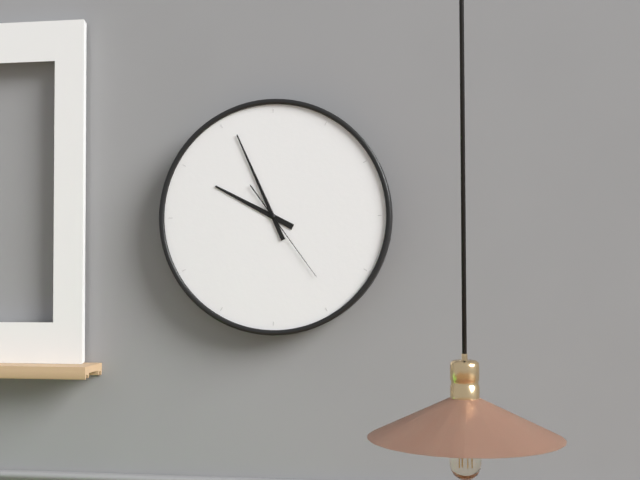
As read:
{"hour": 9, "minute": 56, "second": 24}
